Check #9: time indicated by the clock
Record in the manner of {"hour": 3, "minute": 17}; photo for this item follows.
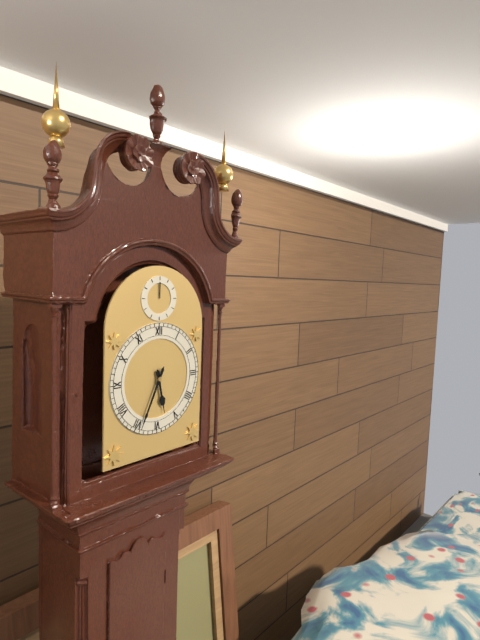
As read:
{"hour": 5, "minute": 34}
